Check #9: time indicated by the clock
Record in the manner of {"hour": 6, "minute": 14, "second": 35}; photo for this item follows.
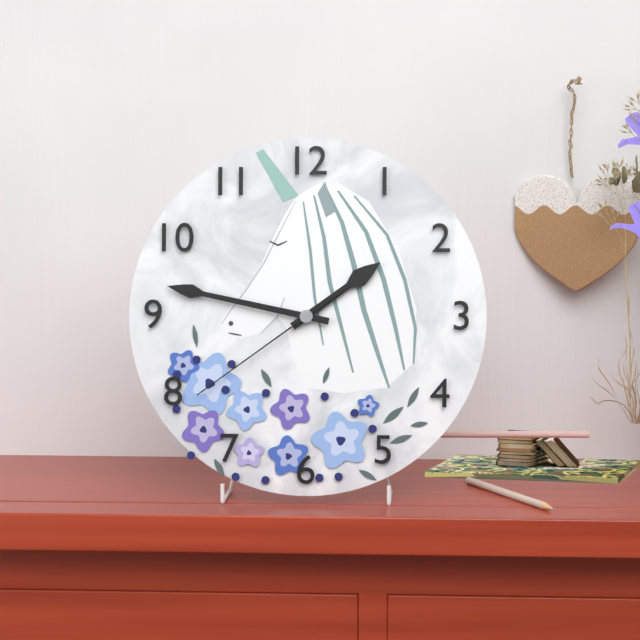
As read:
{"hour": 1, "minute": 47, "second": 39}
